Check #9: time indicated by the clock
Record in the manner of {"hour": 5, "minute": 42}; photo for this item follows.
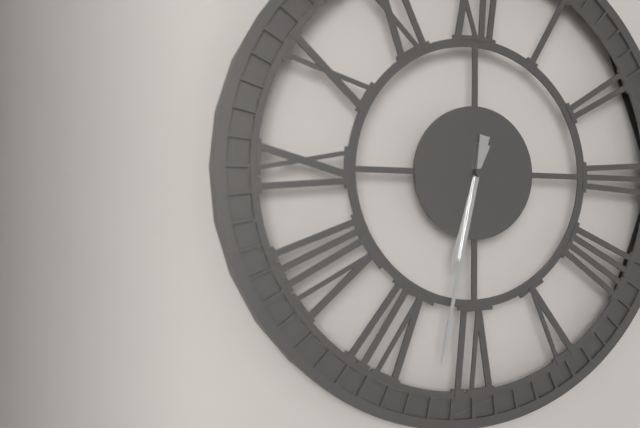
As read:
{"hour": 6, "minute": 32}
